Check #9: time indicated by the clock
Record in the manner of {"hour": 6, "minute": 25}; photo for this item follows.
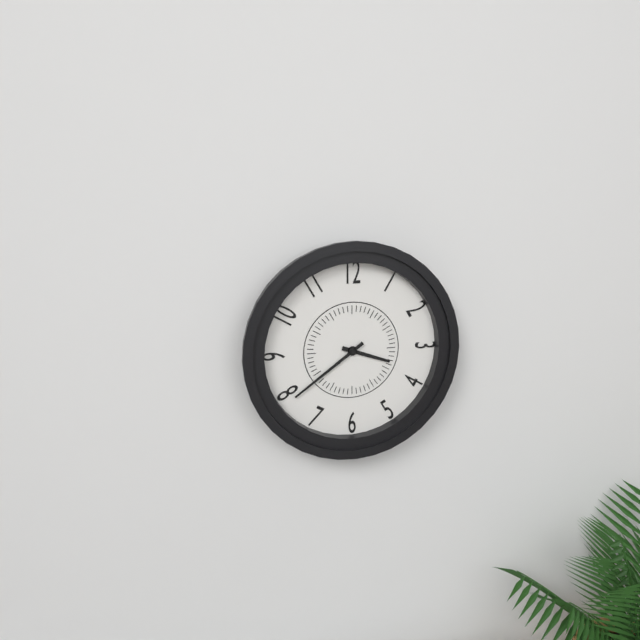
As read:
{"hour": 3, "minute": 39}
